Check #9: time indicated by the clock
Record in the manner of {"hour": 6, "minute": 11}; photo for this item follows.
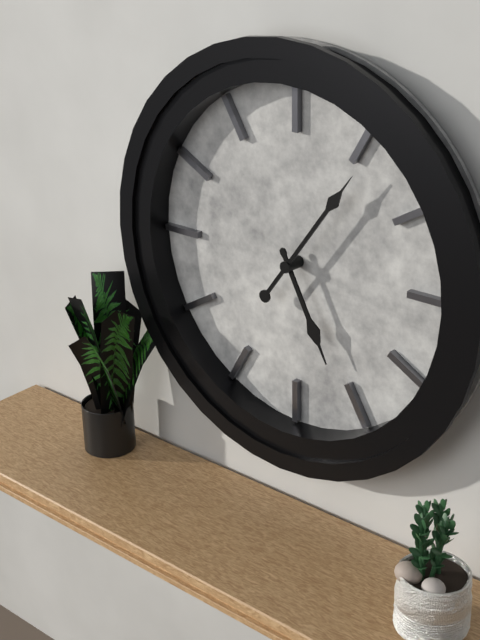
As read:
{"hour": 5, "minute": 6}
